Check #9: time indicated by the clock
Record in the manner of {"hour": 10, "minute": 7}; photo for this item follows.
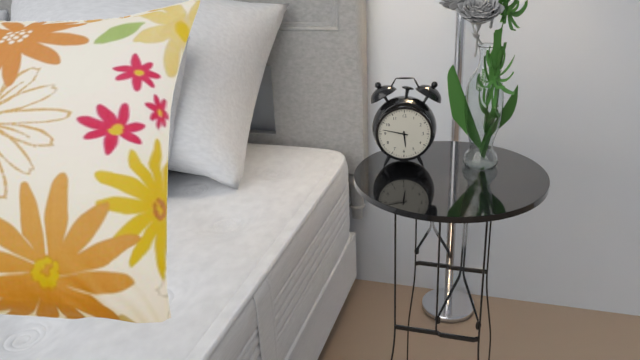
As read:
{"hour": 5, "minute": 47}
